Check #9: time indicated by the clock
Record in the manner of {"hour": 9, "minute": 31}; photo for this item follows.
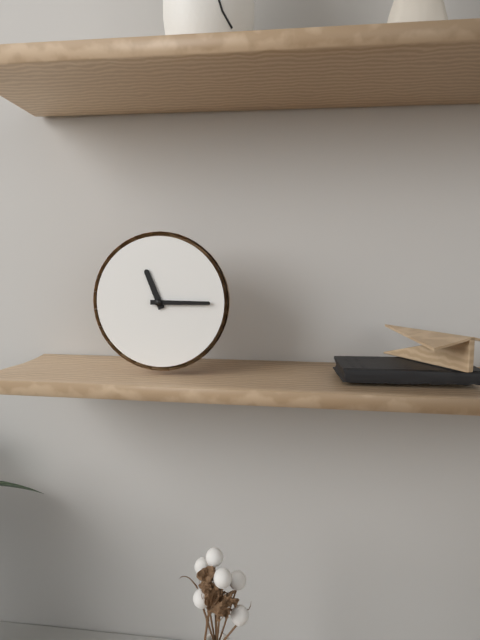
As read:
{"hour": 11, "minute": 15}
